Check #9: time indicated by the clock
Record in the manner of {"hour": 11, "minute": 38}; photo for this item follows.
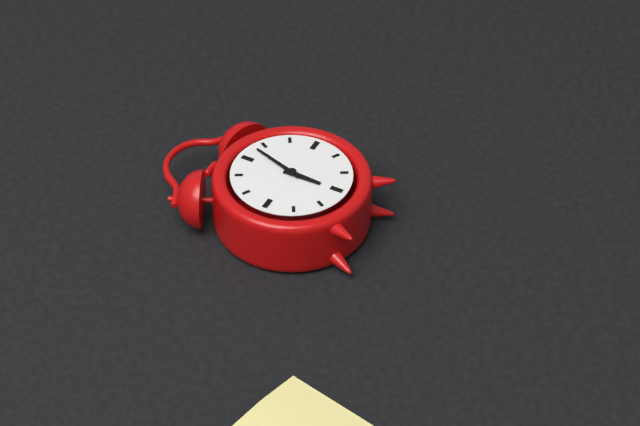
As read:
{"hour": 6, "minute": 3}
